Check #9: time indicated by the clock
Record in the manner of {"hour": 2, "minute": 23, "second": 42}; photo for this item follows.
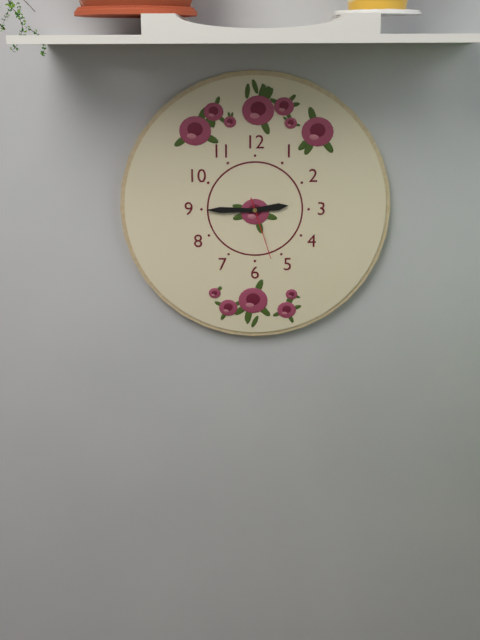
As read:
{"hour": 2, "minute": 45, "second": 27}
